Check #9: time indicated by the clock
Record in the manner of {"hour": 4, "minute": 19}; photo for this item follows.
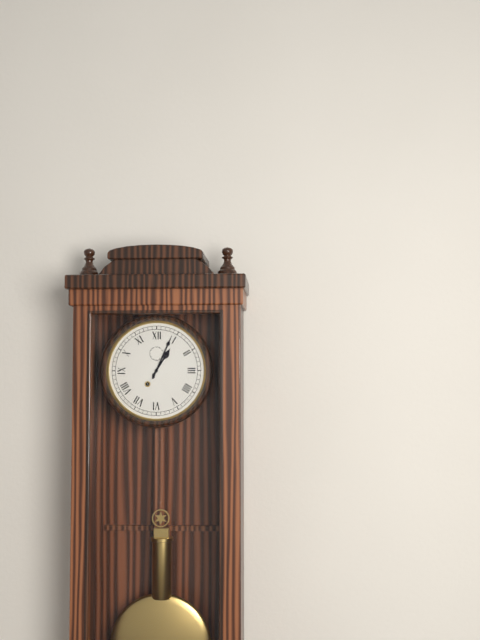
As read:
{"hour": 1, "minute": 4}
